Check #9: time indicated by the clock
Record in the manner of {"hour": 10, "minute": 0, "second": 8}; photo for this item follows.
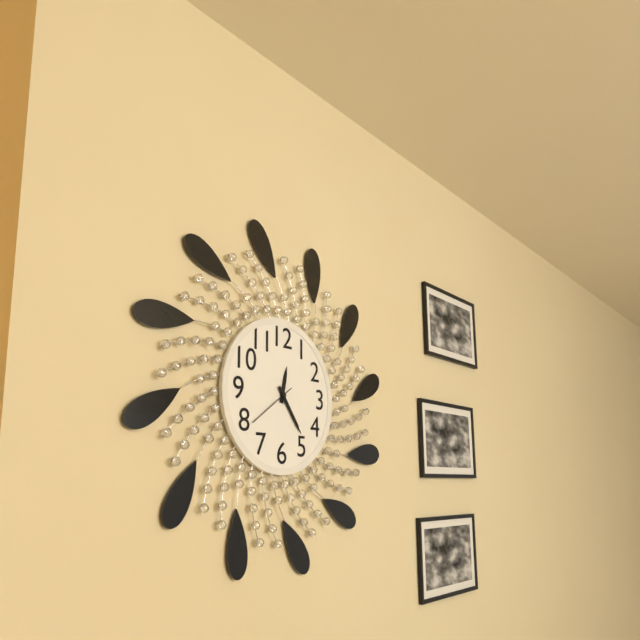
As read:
{"hour": 12, "minute": 24, "second": 39}
